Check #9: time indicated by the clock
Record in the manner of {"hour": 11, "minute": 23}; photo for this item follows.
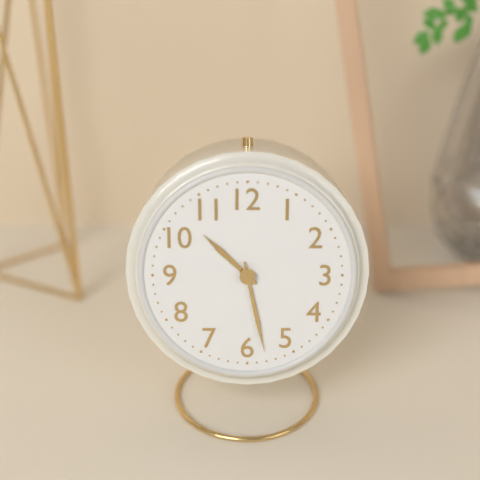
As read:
{"hour": 10, "minute": 28}
